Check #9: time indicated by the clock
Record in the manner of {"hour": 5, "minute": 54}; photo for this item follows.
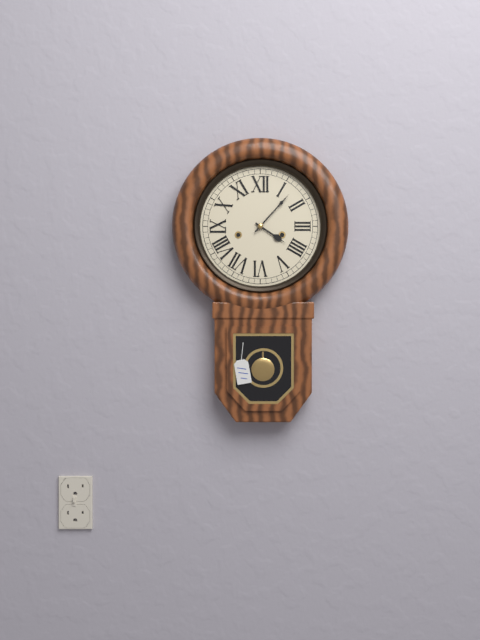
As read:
{"hour": 4, "minute": 7}
